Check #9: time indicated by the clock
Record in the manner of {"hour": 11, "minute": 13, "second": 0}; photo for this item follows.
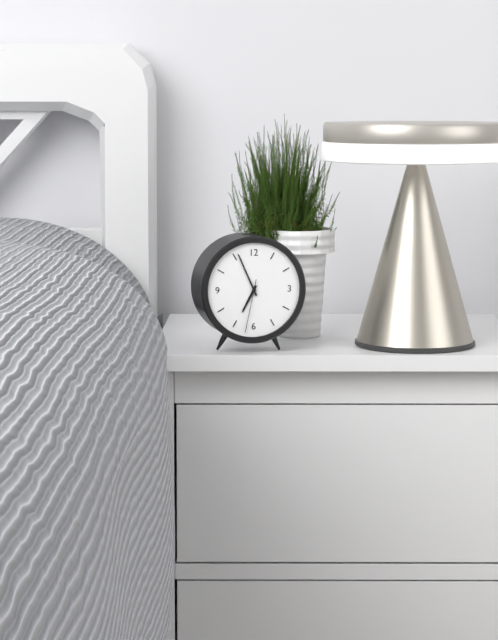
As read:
{"hour": 6, "minute": 56, "second": 32}
